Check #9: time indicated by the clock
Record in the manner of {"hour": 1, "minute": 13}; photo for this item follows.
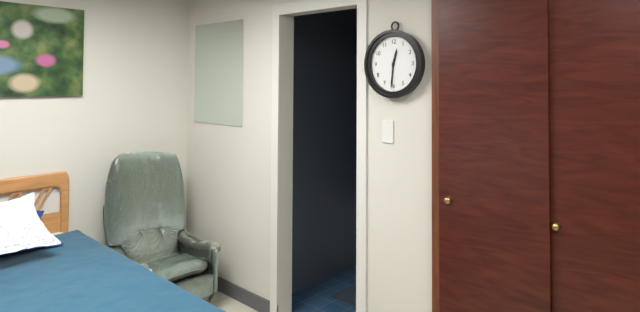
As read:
{"hour": 12, "minute": 31}
